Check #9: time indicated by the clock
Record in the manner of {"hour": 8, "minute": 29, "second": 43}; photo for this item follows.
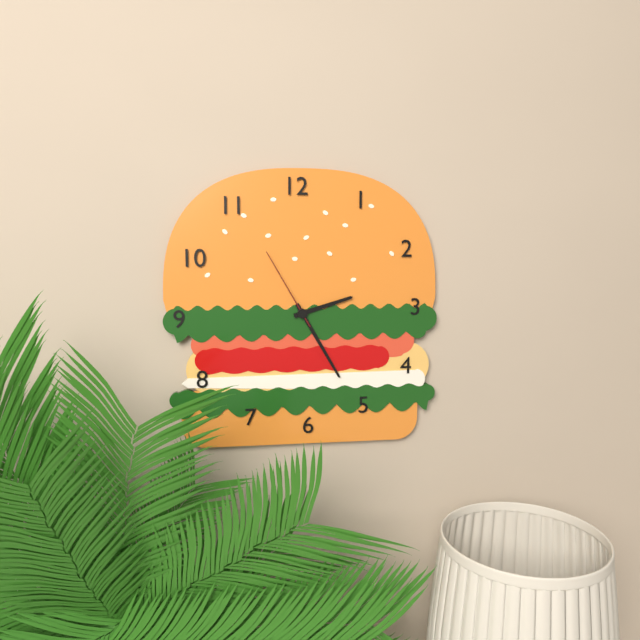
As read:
{"hour": 2, "minute": 25, "second": 55}
